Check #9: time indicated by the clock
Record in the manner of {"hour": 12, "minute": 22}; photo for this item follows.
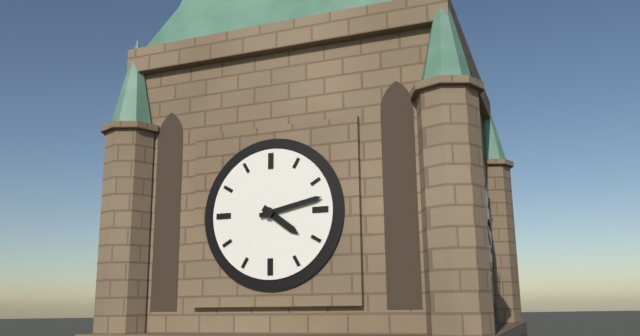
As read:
{"hour": 4, "minute": 13}
